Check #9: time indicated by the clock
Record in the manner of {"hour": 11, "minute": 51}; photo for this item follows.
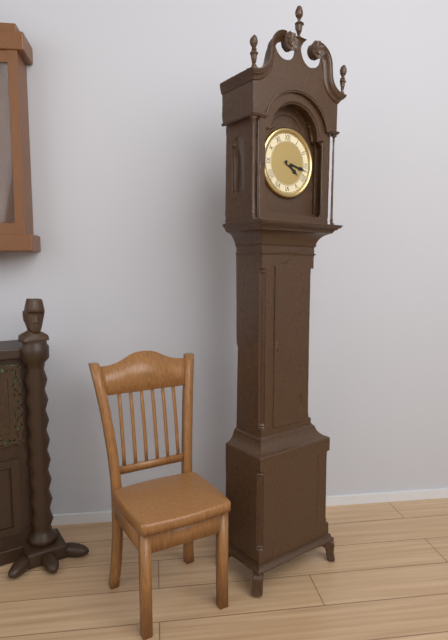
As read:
{"hour": 4, "minute": 17}
